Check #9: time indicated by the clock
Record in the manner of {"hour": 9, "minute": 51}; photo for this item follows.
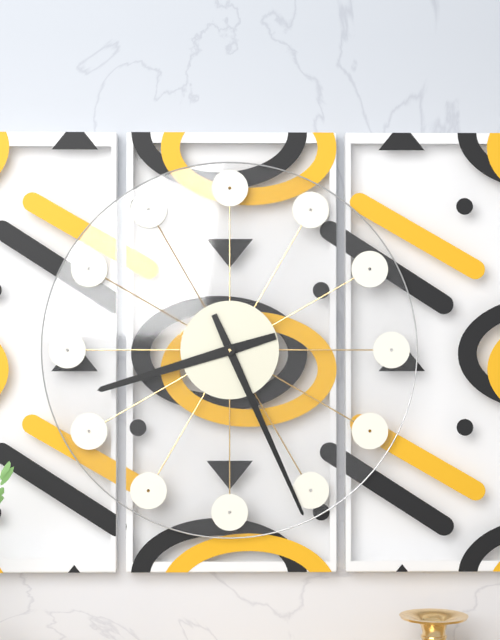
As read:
{"hour": 8, "minute": 26}
